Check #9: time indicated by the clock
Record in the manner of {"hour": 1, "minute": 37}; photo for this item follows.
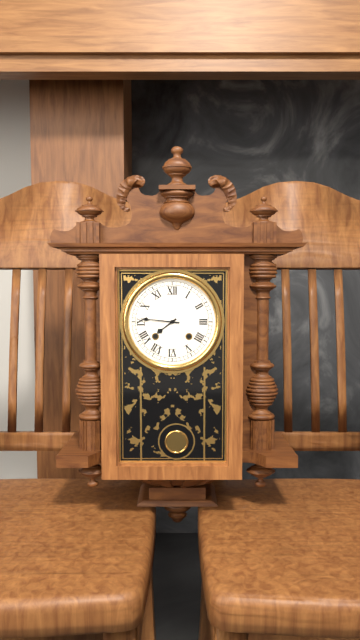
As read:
{"hour": 7, "minute": 46}
